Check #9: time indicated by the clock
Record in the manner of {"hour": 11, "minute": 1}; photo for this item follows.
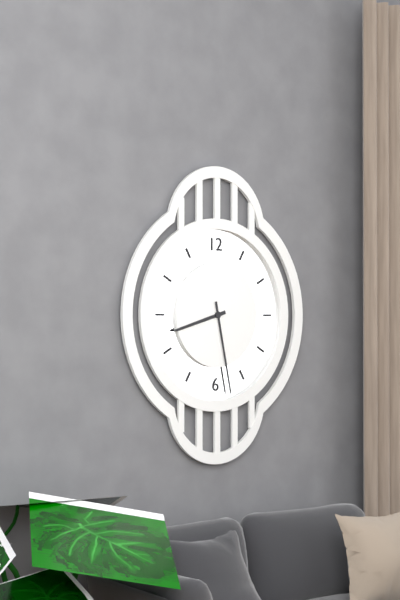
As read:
{"hour": 8, "minute": 28}
